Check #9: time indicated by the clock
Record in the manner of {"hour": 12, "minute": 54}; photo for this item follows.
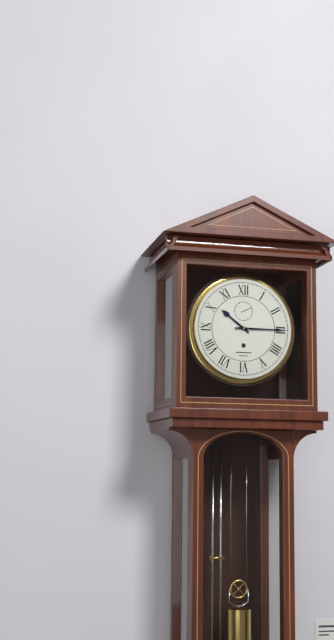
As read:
{"hour": 10, "minute": 15}
